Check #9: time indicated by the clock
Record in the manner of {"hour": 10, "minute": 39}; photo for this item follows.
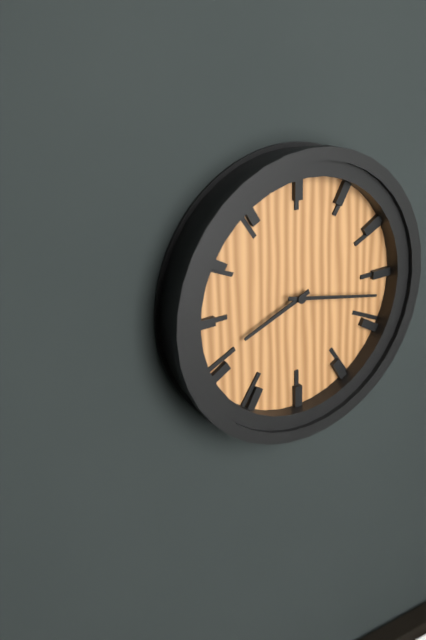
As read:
{"hour": 8, "minute": 17}
